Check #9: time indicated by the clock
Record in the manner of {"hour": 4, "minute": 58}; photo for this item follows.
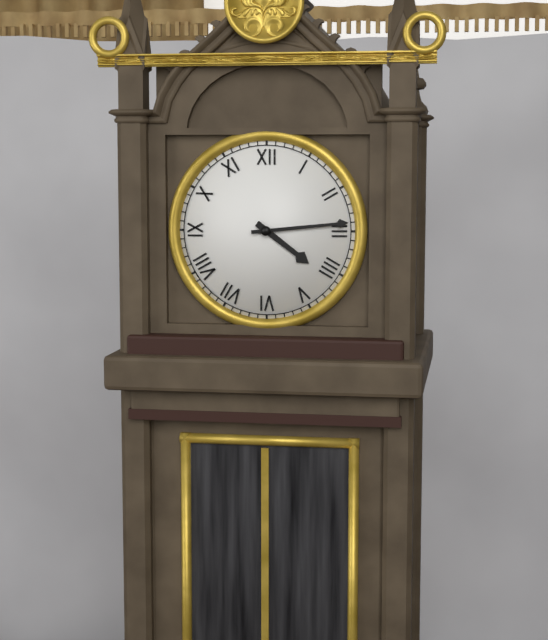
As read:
{"hour": 4, "minute": 14}
